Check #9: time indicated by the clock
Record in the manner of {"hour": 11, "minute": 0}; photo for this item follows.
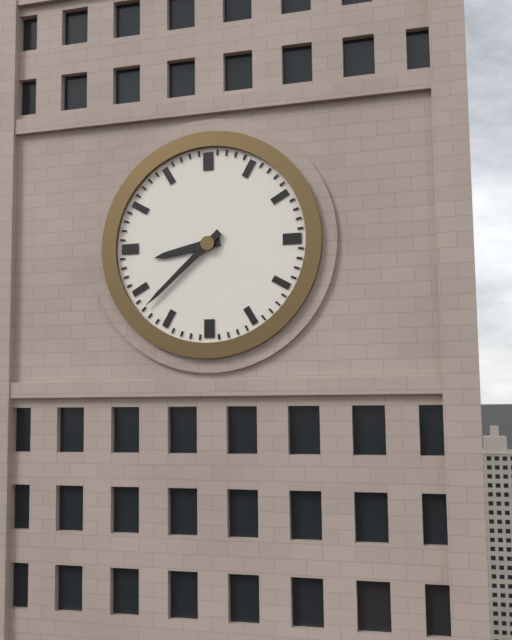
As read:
{"hour": 8, "minute": 38}
